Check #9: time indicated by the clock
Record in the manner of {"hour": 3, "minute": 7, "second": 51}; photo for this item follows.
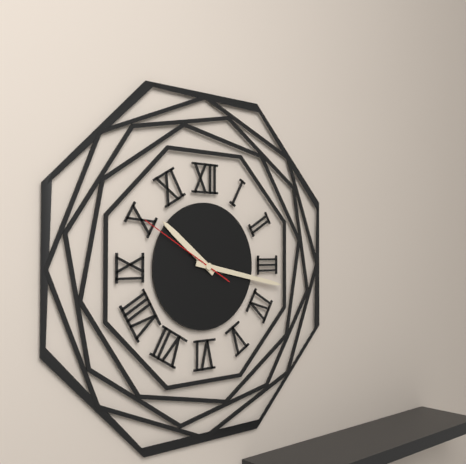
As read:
{"hour": 10, "minute": 17, "second": 50}
